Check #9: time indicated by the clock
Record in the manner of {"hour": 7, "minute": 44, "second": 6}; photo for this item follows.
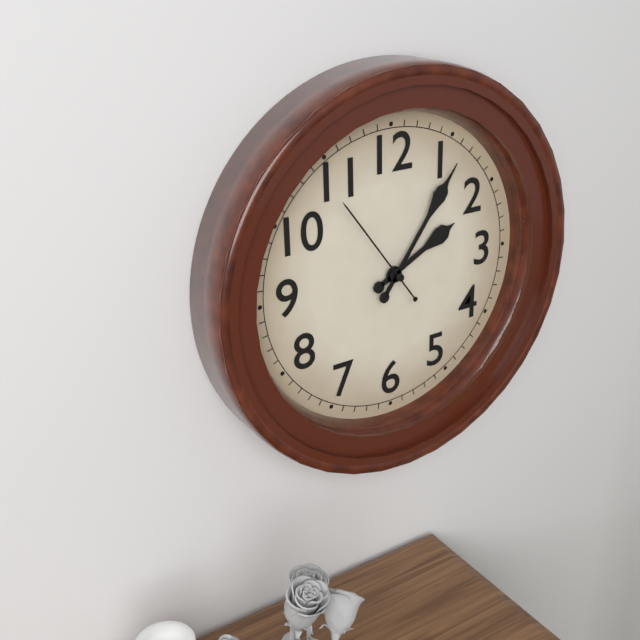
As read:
{"hour": 2, "minute": 6, "second": 54}
